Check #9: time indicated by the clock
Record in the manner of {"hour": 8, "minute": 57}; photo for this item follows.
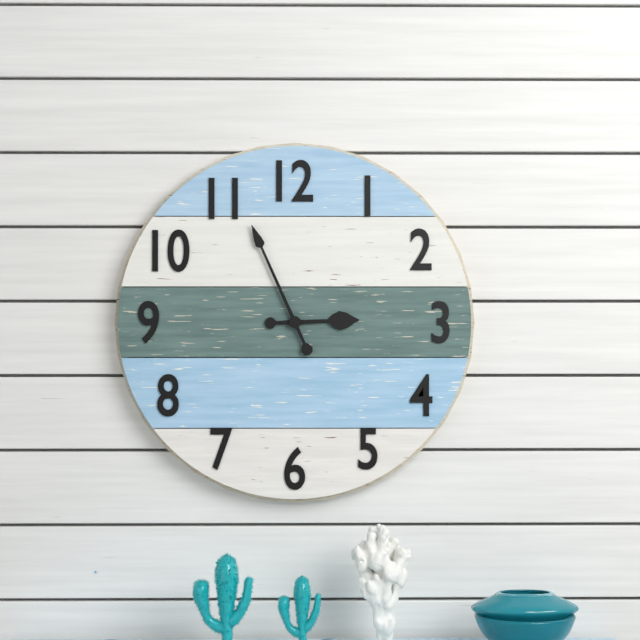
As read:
{"hour": 2, "minute": 56}
